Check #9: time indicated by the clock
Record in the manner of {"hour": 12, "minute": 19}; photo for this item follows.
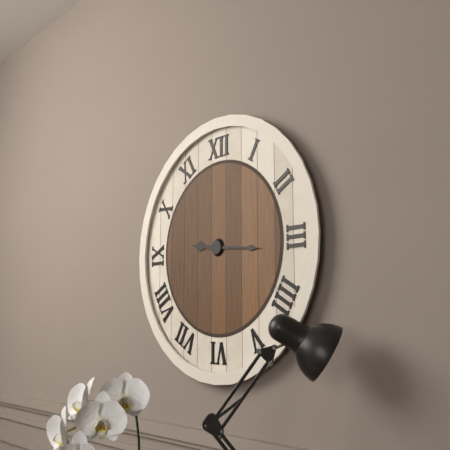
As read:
{"hour": 9, "minute": 16}
